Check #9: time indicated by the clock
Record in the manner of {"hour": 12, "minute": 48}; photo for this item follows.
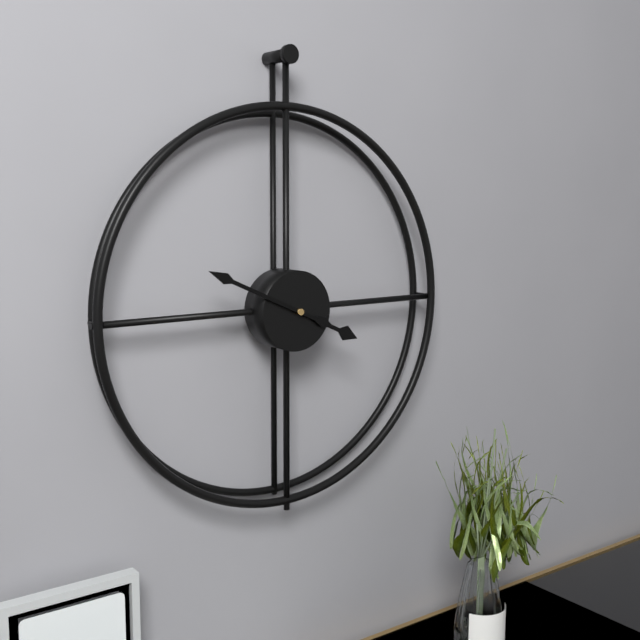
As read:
{"hour": 3, "minute": 49}
